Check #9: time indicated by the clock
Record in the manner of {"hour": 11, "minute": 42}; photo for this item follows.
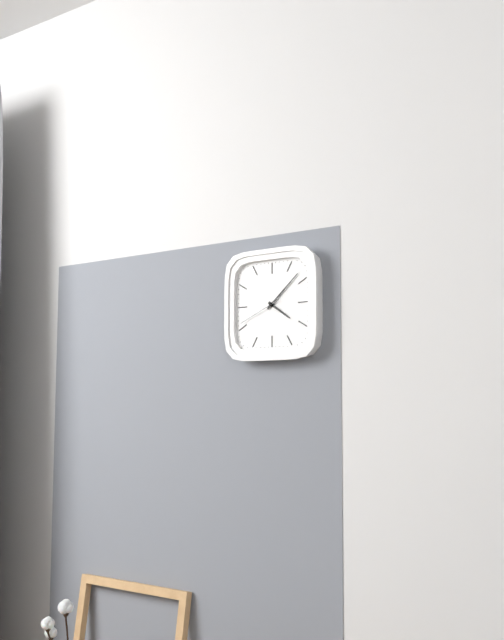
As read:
{"hour": 4, "minute": 8}
